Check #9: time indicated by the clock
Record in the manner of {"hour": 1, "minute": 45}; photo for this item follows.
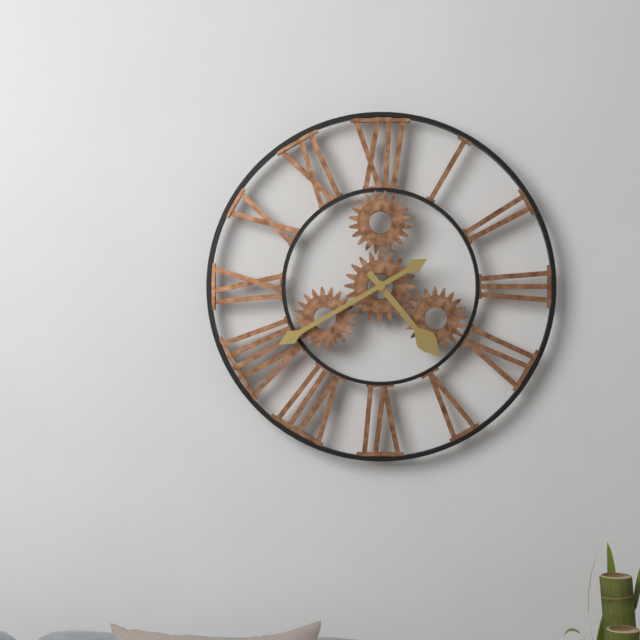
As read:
{"hour": 4, "minute": 40}
